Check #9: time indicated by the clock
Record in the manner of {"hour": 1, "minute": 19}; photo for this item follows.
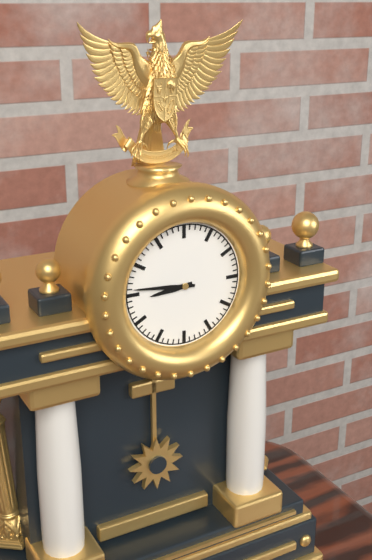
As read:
{"hour": 8, "minute": 46}
